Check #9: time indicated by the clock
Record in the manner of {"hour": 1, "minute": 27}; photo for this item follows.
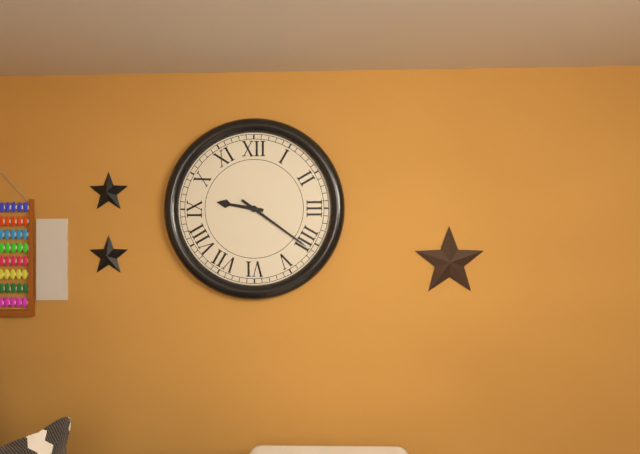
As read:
{"hour": 9, "minute": 21}
